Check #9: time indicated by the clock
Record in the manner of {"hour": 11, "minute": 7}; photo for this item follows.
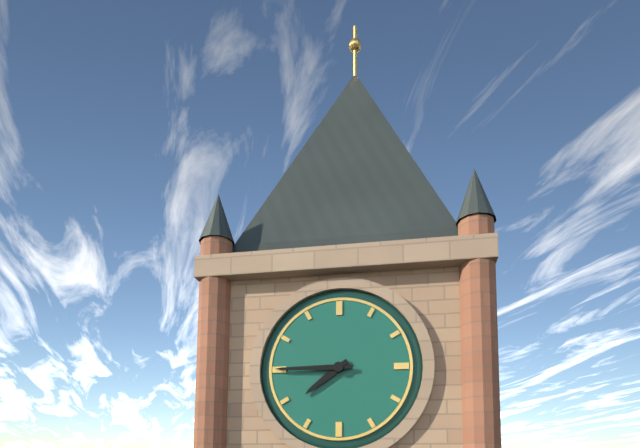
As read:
{"hour": 7, "minute": 45}
